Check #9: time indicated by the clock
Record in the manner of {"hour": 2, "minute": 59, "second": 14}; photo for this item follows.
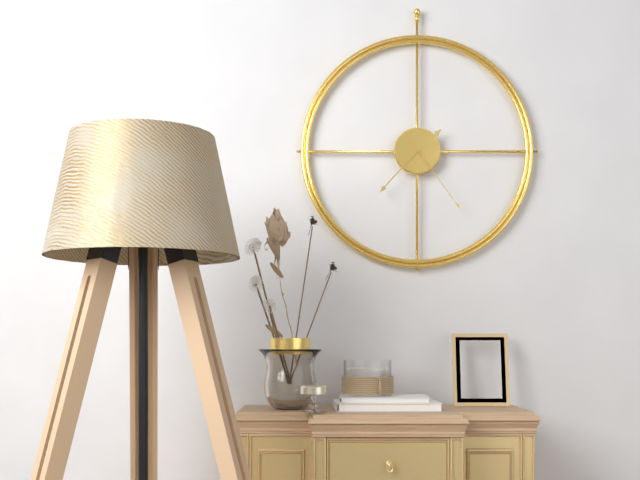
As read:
{"hour": 1, "minute": 37, "second": 24}
